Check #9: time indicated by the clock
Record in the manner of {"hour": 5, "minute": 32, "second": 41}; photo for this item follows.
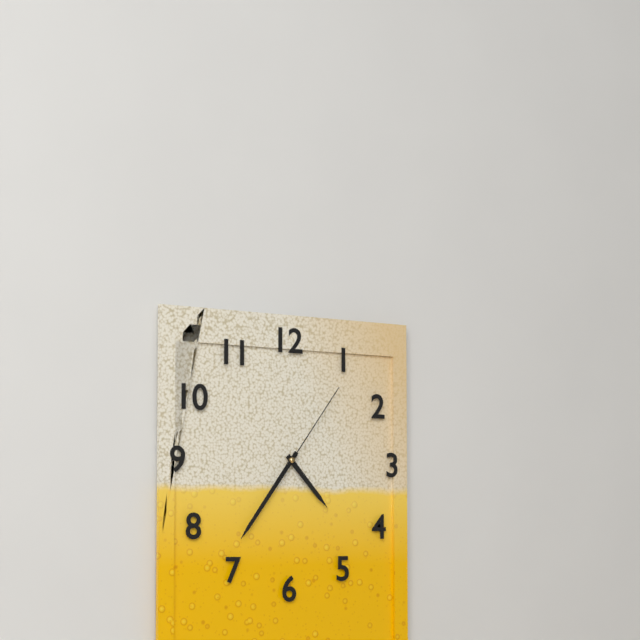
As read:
{"hour": 4, "minute": 36, "second": 6}
